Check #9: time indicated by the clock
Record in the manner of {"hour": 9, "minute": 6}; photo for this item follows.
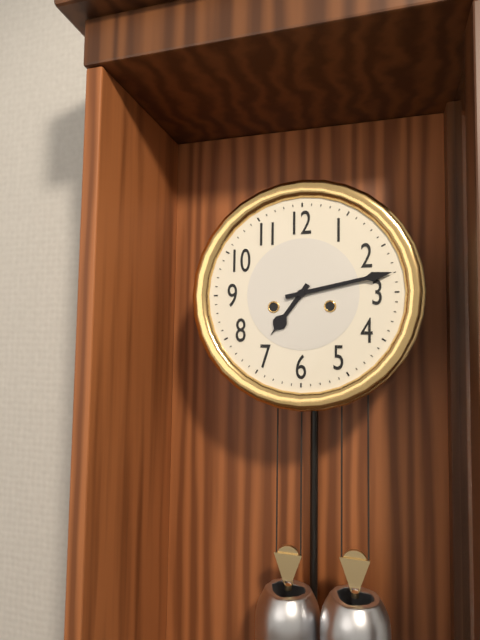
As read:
{"hour": 7, "minute": 13}
